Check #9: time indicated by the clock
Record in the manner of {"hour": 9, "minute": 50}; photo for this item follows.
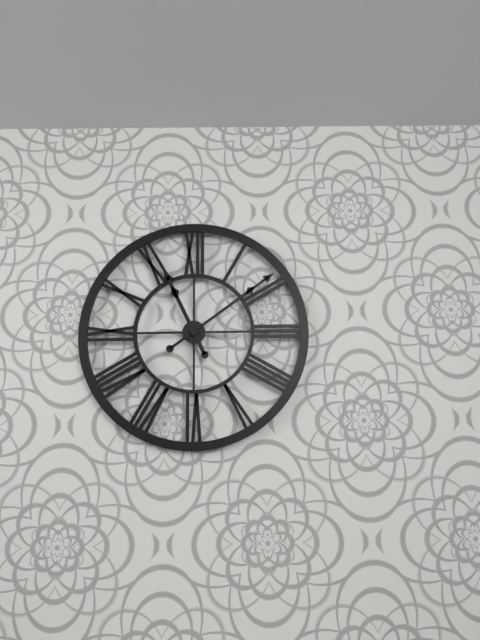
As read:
{"hour": 11, "minute": 9}
